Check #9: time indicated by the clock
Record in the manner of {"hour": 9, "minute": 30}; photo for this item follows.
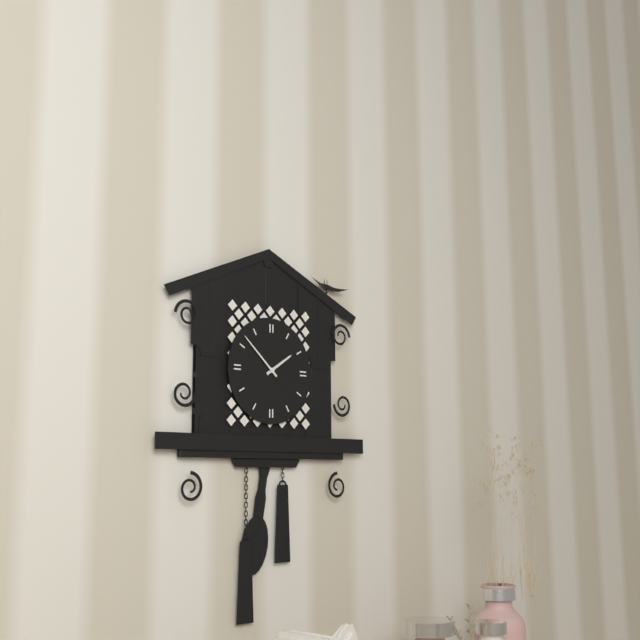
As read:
{"hour": 1, "minute": 52}
